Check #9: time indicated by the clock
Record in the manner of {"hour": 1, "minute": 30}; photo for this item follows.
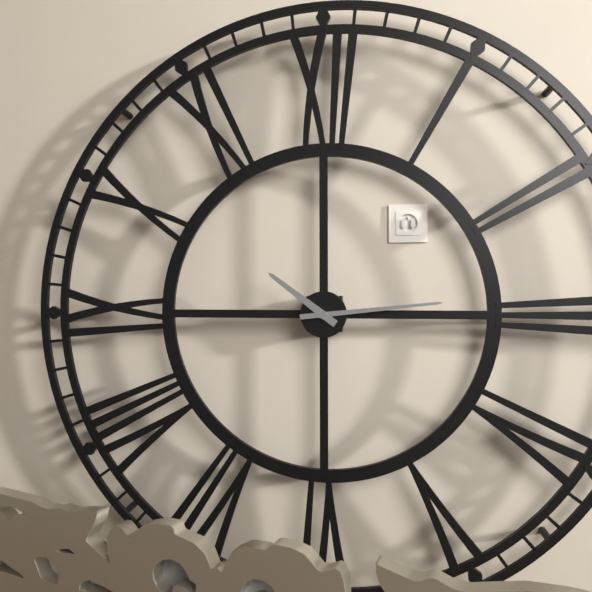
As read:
{"hour": 10, "minute": 14}
